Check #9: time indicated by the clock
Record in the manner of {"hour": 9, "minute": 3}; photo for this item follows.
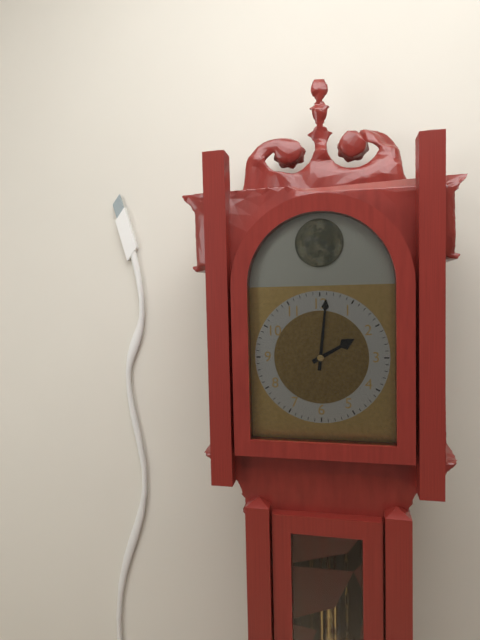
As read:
{"hour": 2, "minute": 1}
